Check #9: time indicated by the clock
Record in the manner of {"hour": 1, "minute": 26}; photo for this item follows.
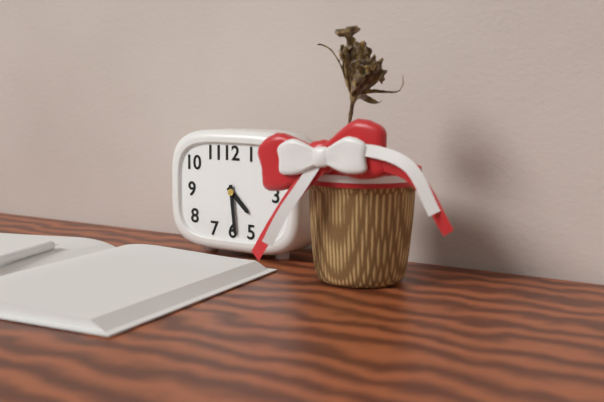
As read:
{"hour": 4, "minute": 29}
